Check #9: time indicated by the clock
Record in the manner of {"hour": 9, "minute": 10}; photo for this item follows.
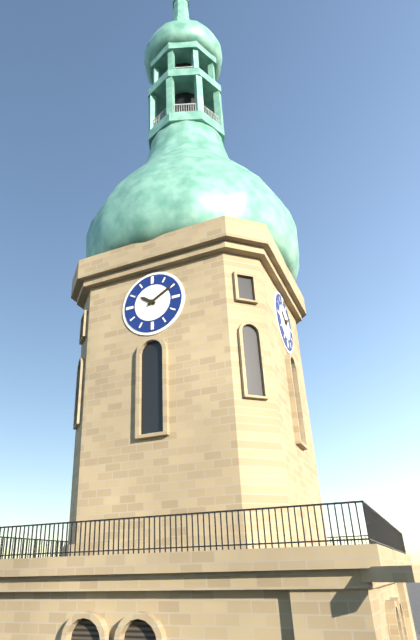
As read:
{"hour": 10, "minute": 10}
